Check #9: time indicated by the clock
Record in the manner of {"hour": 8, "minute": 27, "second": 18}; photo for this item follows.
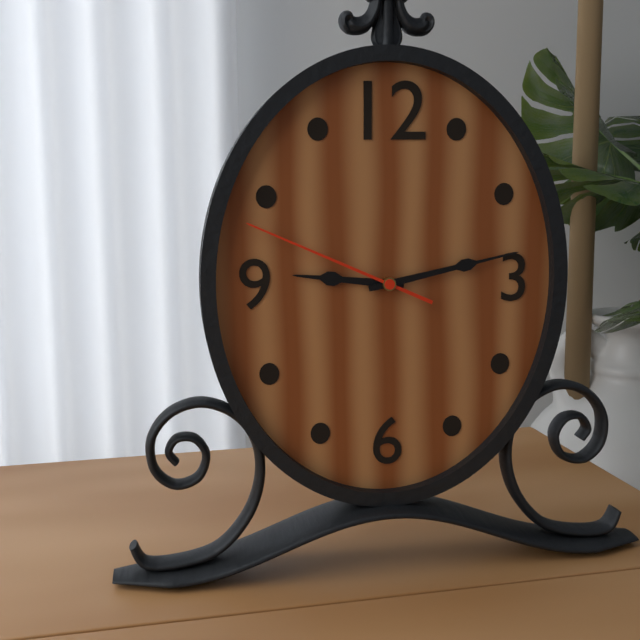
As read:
{"hour": 9, "minute": 13, "second": 49}
